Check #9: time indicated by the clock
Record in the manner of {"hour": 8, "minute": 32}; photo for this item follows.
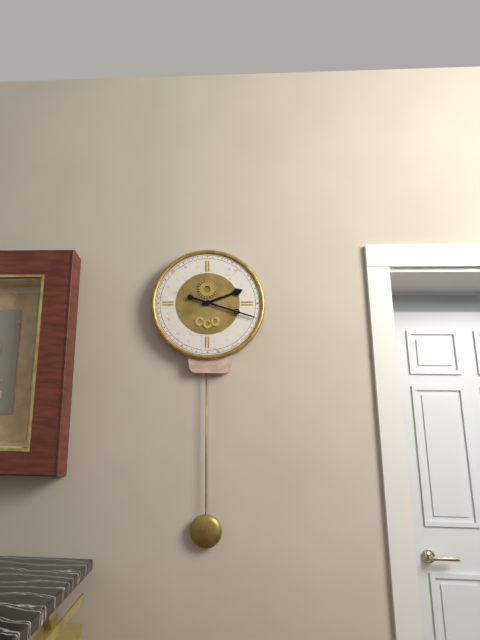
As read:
{"hour": 2, "minute": 18}
